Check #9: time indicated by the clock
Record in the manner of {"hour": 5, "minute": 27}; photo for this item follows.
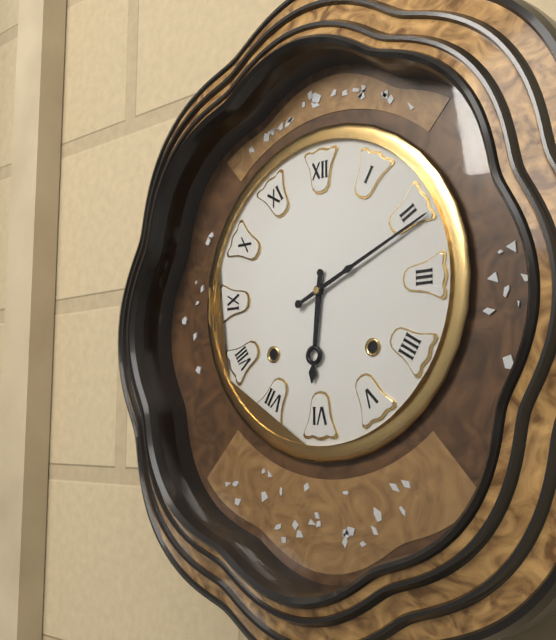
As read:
{"hour": 6, "minute": 11}
